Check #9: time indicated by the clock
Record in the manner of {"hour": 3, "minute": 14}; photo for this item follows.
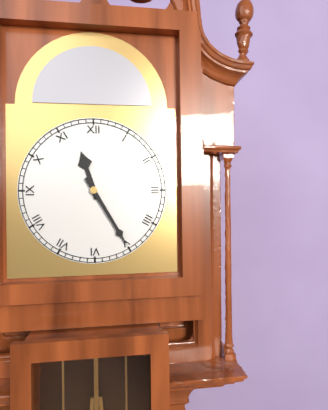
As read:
{"hour": 11, "minute": 25}
